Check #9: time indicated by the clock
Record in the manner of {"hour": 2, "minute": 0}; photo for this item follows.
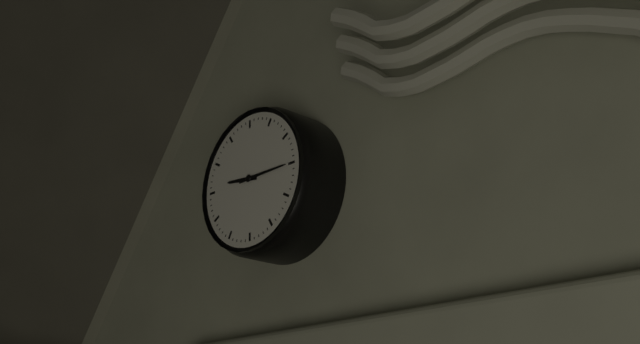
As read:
{"hour": 9, "minute": 15}
